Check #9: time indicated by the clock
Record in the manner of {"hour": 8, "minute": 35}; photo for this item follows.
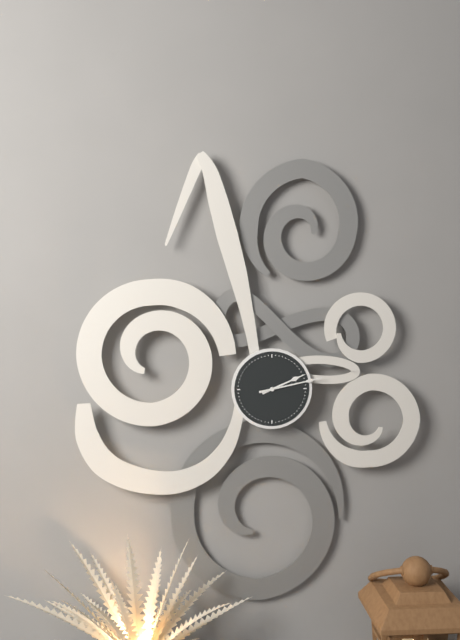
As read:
{"hour": 2, "minute": 13}
